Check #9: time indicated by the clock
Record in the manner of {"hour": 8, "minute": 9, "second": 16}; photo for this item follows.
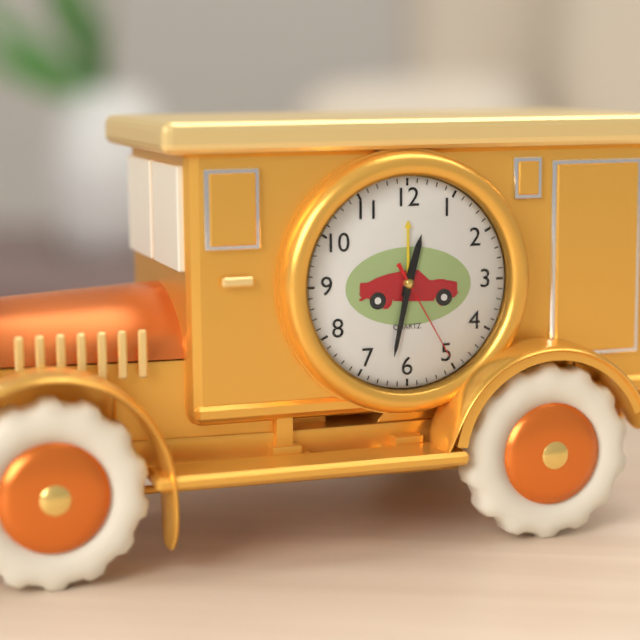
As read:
{"hour": 12, "minute": 32, "second": 25}
